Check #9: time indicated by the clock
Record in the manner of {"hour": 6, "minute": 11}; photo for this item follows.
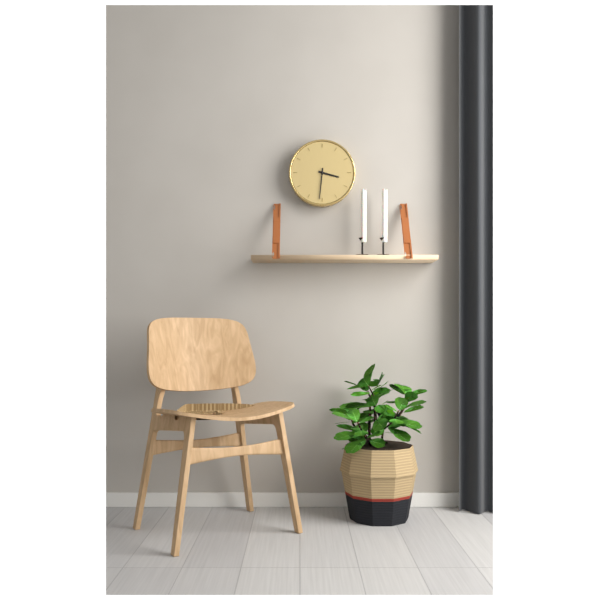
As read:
{"hour": 3, "minute": 31}
